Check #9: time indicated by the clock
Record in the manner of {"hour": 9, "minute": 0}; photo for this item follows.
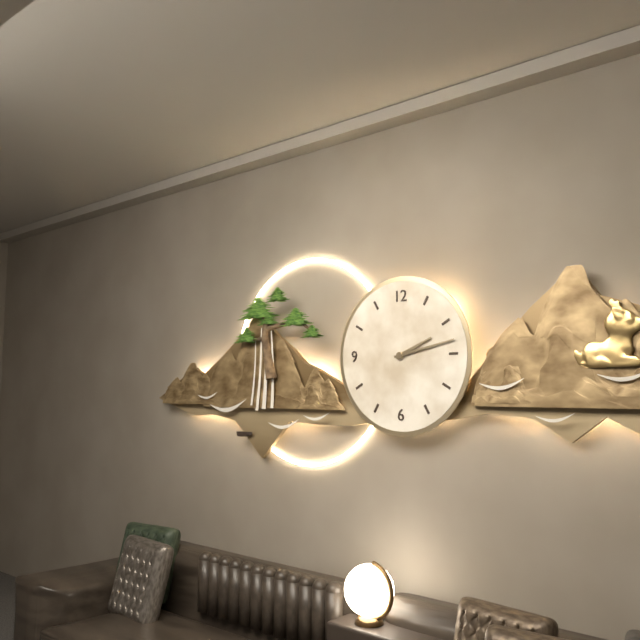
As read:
{"hour": 2, "minute": 13}
